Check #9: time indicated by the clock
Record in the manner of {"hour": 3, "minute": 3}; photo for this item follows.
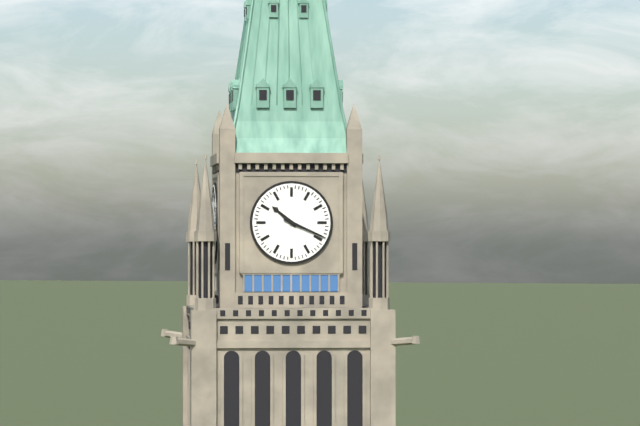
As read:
{"hour": 10, "minute": 19}
